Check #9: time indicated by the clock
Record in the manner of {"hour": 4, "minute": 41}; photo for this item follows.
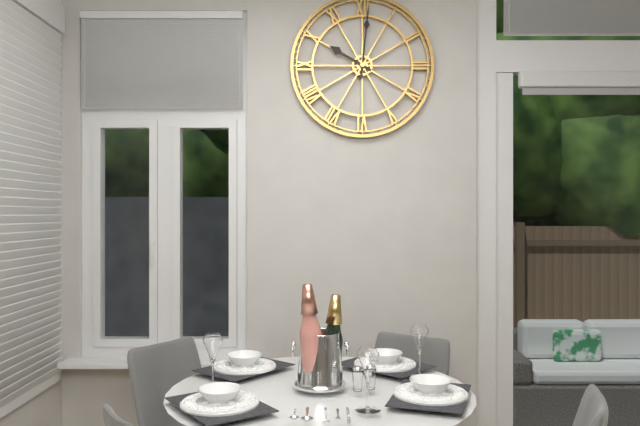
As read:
{"hour": 10, "minute": 1}
